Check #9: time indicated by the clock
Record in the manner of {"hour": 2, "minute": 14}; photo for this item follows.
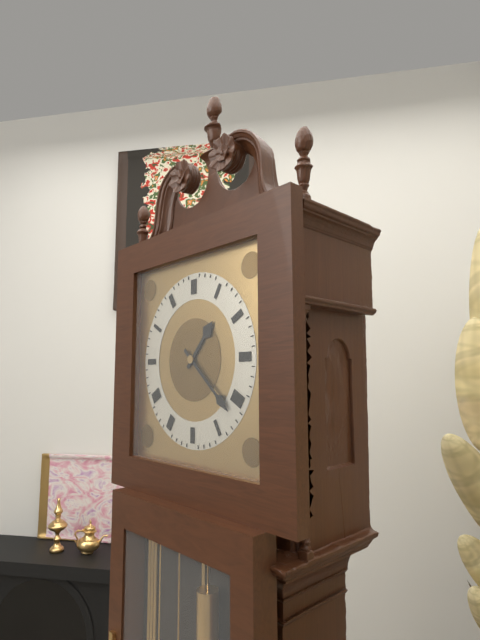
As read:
{"hour": 1, "minute": 22}
